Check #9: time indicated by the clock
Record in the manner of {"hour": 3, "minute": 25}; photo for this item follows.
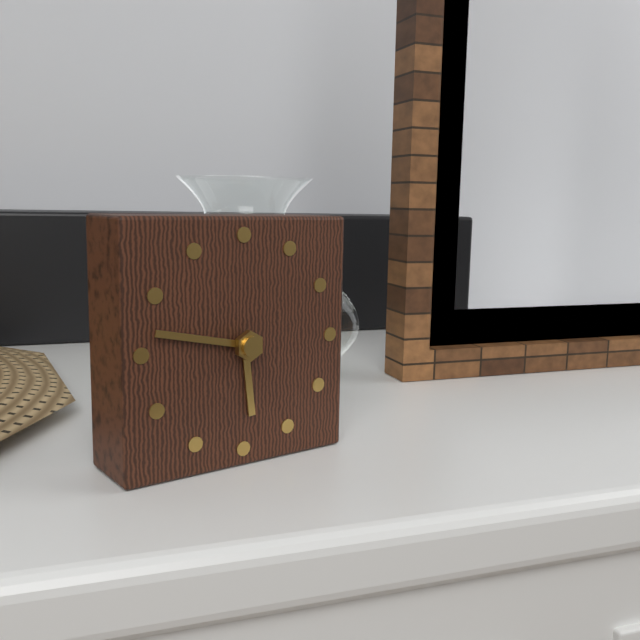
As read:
{"hour": 5, "minute": 47}
